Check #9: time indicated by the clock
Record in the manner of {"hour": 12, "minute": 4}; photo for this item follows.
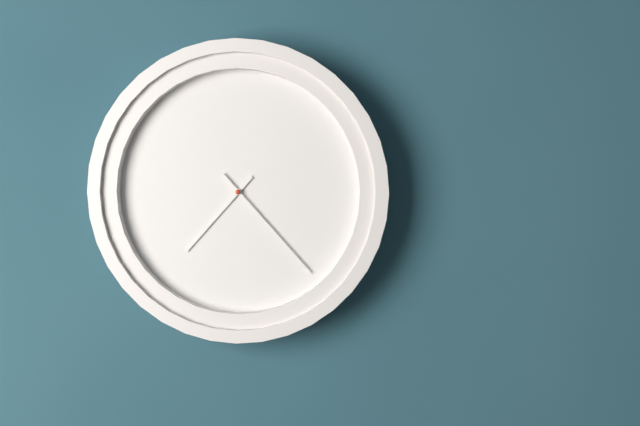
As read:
{"hour": 7, "minute": 23}
